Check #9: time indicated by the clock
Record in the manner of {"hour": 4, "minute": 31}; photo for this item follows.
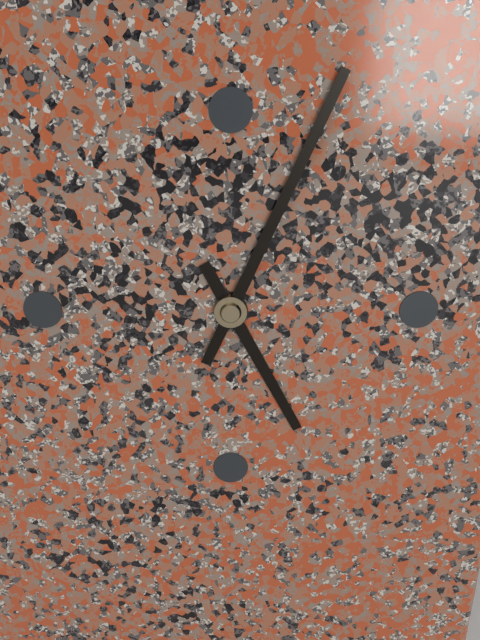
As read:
{"hour": 5, "minute": 4}
